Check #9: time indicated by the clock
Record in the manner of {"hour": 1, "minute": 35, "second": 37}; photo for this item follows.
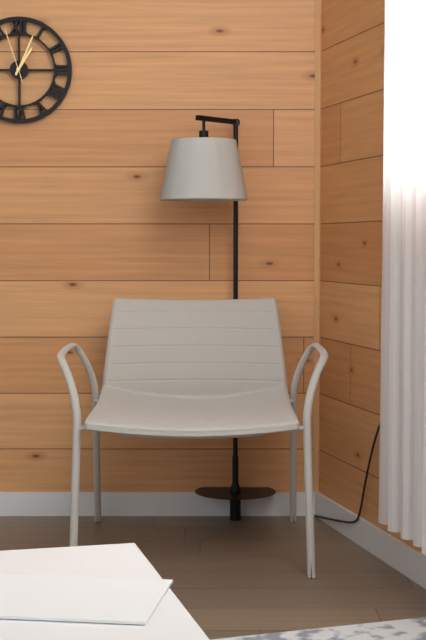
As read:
{"hour": 1, "minute": 4, "second": 57}
